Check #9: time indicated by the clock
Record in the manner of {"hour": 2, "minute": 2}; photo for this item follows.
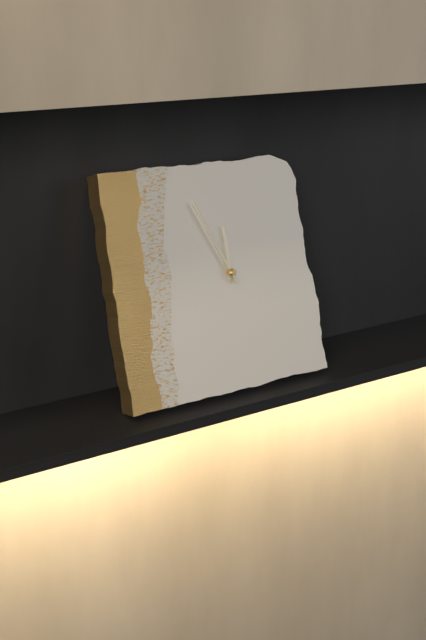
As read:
{"hour": 11, "minute": 56}
